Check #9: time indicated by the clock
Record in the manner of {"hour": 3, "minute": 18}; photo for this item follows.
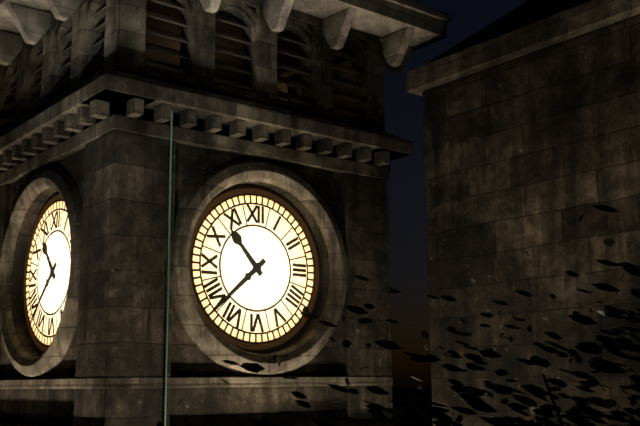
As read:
{"hour": 10, "minute": 38}
